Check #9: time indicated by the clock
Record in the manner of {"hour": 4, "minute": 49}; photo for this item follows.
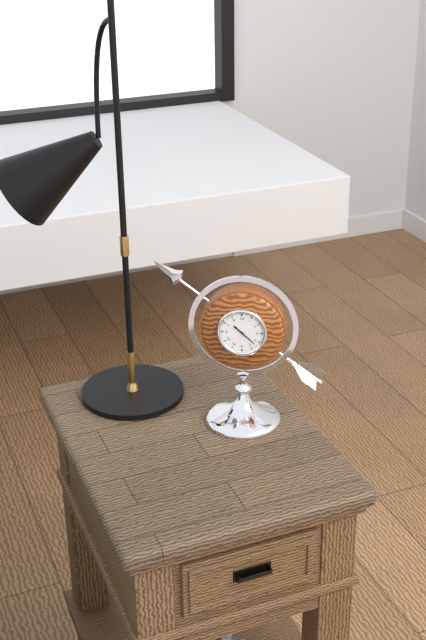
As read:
{"hour": 10, "minute": 22}
